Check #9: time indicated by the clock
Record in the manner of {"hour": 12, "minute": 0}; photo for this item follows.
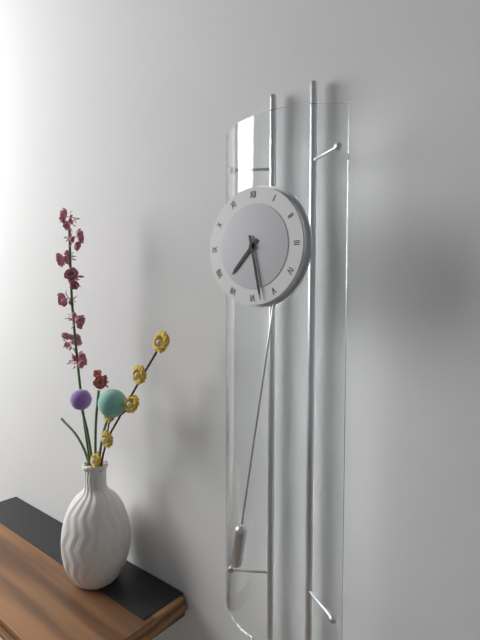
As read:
{"hour": 7, "minute": 28}
